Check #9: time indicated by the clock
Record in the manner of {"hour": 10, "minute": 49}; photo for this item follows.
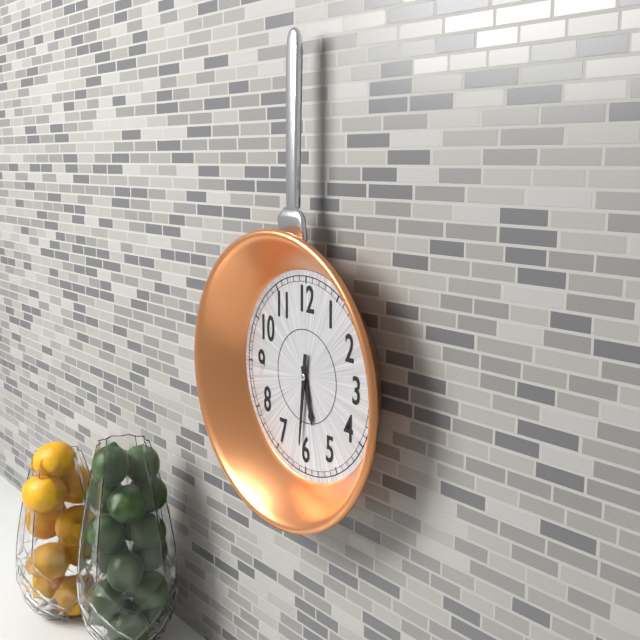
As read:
{"hour": 5, "minute": 31}
